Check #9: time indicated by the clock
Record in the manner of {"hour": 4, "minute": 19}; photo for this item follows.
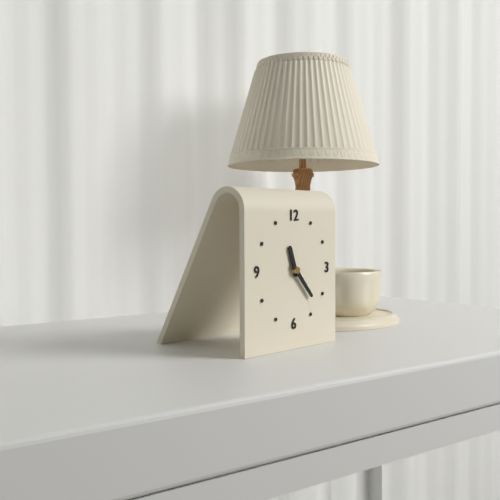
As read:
{"hour": 11, "minute": 23}
